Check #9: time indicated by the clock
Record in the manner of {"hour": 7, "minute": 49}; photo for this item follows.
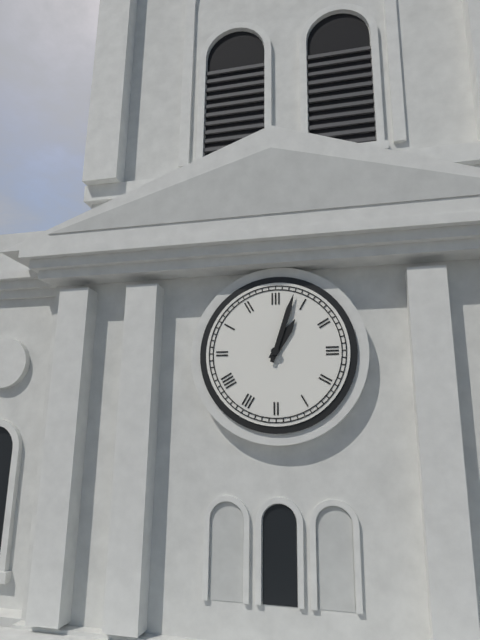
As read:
{"hour": 1, "minute": 3}
